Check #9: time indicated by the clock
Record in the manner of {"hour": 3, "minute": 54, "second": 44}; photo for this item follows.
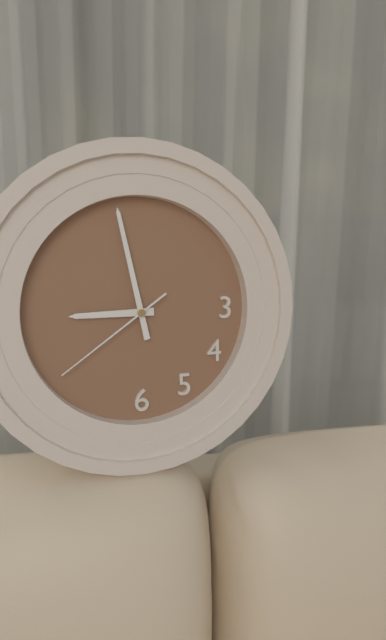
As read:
{"hour": 8, "minute": 58, "second": 39}
